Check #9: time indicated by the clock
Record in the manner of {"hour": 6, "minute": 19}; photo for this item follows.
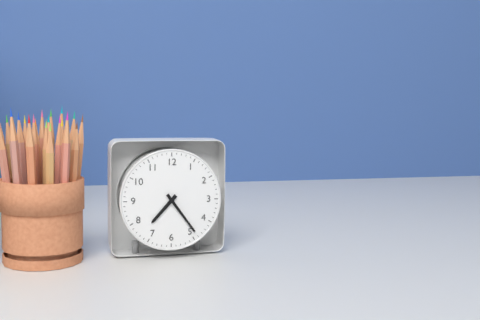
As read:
{"hour": 7, "minute": 24}
